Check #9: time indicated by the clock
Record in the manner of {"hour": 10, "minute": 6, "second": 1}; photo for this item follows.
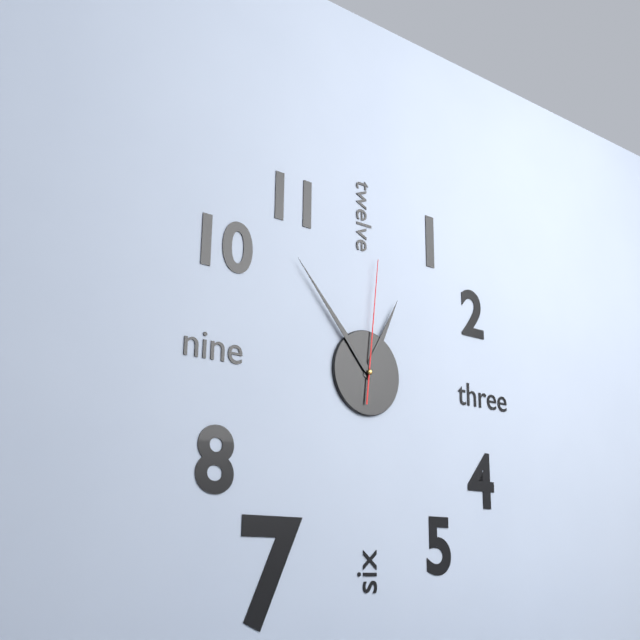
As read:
{"hour": 12, "minute": 53, "second": 1}
